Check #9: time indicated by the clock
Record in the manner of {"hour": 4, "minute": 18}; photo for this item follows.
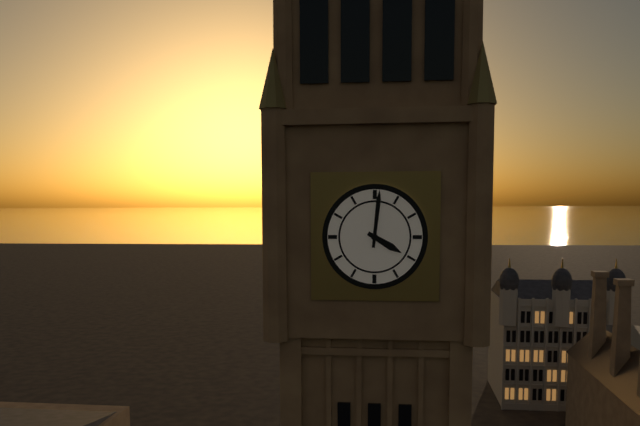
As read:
{"hour": 4, "minute": 1}
